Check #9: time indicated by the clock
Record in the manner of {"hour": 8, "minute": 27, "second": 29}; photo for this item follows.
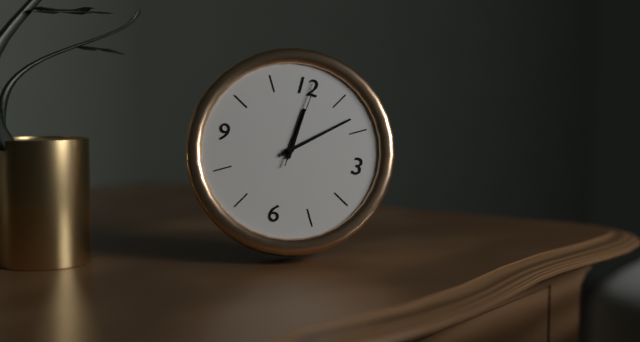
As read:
{"hour": 12, "minute": 8, "second": 1}
